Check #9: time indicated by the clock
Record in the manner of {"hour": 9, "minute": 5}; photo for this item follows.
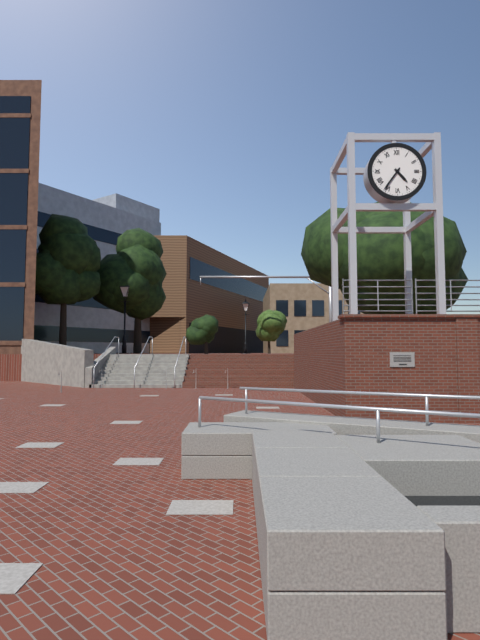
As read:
{"hour": 4, "minute": 36}
